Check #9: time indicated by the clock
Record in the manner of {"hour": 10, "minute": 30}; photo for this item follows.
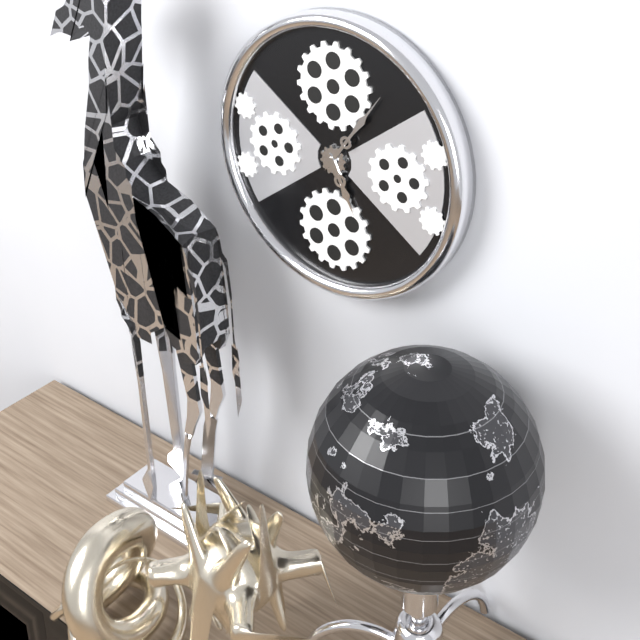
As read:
{"hour": 5, "minute": 6}
